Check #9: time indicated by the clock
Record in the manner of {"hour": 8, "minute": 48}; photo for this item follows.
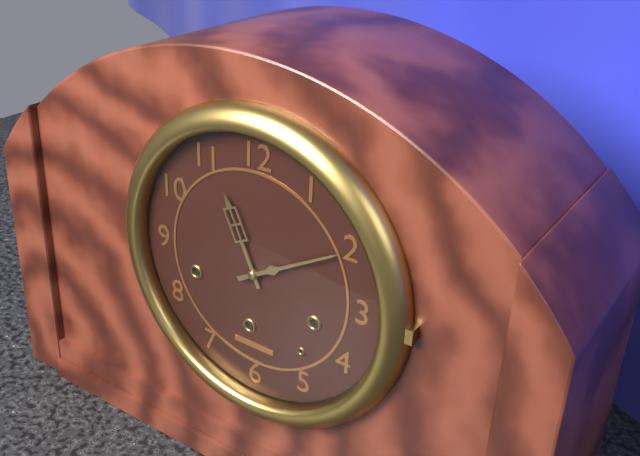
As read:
{"hour": 11, "minute": 10}
